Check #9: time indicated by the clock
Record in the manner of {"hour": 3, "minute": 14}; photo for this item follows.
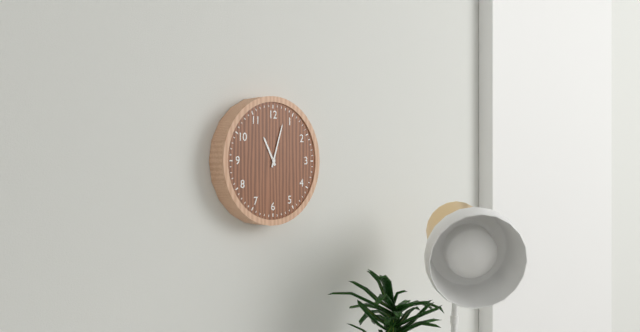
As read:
{"hour": 11, "minute": 3}
